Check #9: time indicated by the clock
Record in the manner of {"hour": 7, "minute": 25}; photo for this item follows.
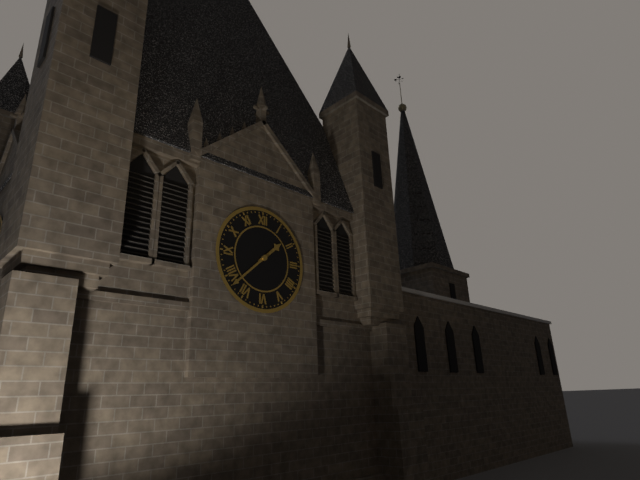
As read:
{"hour": 1, "minute": 38}
